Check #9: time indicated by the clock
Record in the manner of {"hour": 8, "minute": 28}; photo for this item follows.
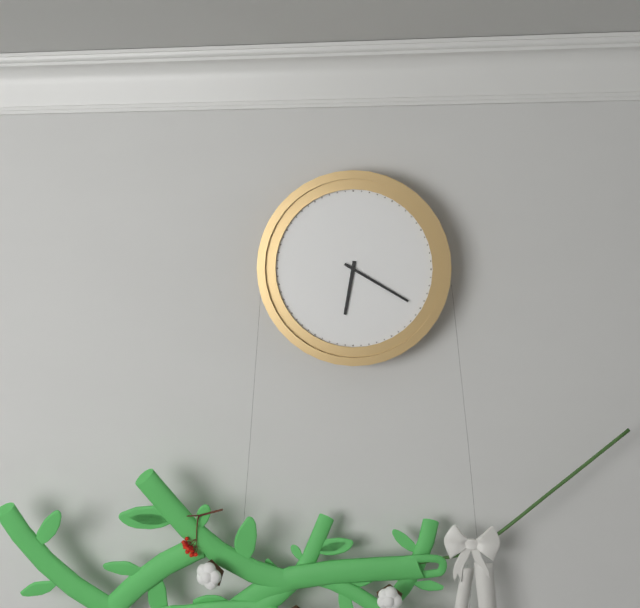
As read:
{"hour": 6, "minute": 20}
